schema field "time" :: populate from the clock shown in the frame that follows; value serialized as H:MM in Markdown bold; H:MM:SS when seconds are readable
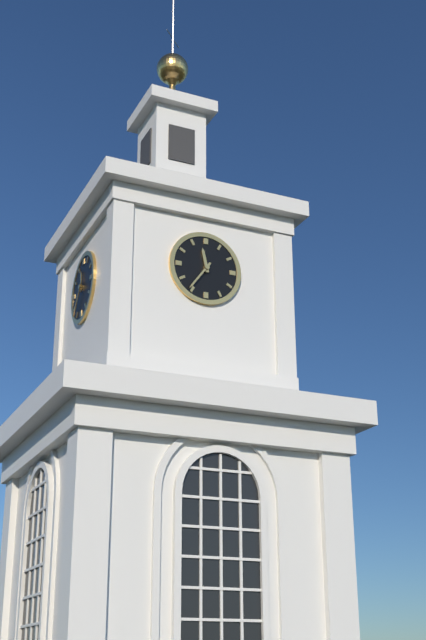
**11:36**
